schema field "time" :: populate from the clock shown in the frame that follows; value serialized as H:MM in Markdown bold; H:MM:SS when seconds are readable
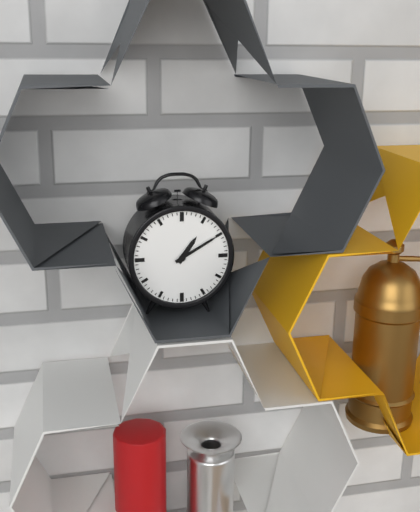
**1:10**
